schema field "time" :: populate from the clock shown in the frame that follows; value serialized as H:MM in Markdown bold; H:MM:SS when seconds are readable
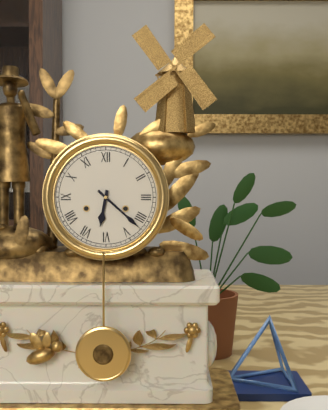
**6:22**
